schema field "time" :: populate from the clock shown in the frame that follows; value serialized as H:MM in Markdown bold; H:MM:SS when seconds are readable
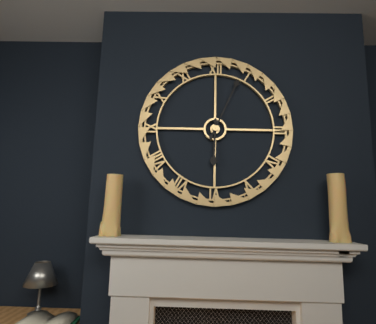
**6:04**
